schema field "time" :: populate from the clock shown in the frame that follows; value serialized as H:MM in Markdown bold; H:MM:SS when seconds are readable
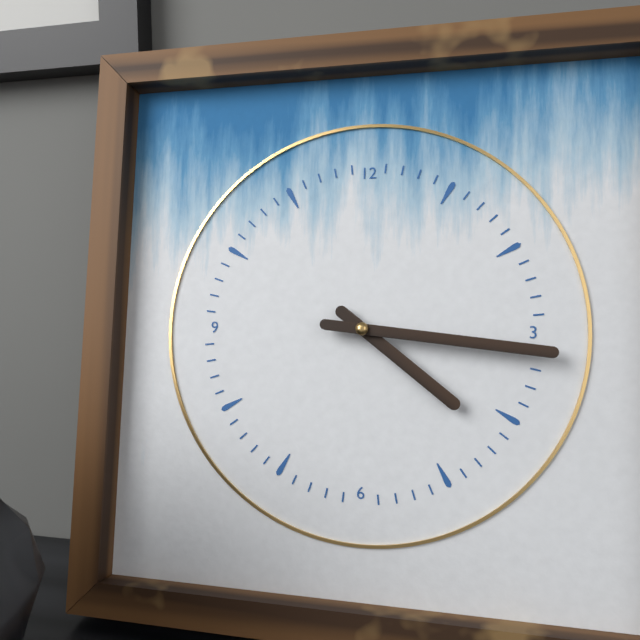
**4:16**
